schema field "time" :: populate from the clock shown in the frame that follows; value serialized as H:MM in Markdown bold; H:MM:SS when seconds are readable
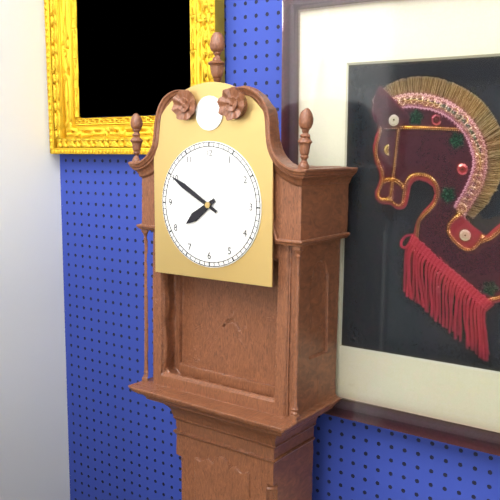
**7:50**
